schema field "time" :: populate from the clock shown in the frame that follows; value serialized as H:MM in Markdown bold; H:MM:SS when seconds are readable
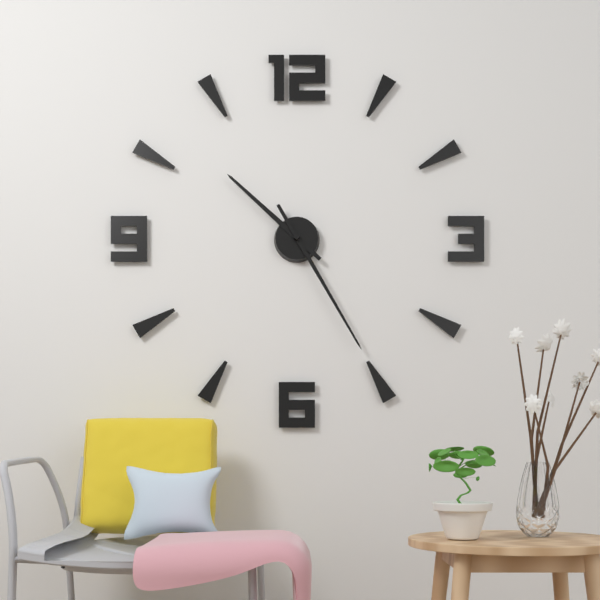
**10:25**
